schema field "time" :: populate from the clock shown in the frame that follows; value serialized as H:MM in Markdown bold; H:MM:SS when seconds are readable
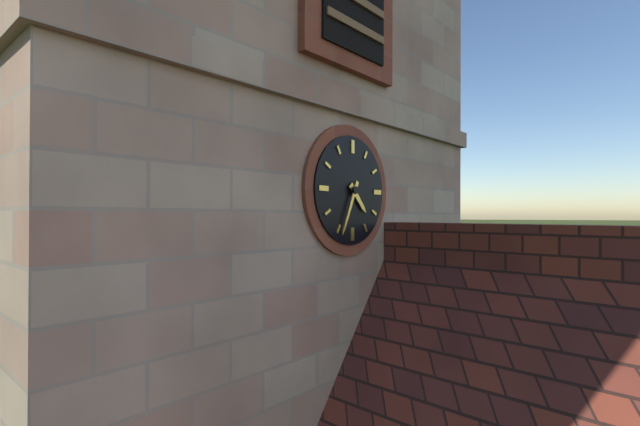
**4:34**
